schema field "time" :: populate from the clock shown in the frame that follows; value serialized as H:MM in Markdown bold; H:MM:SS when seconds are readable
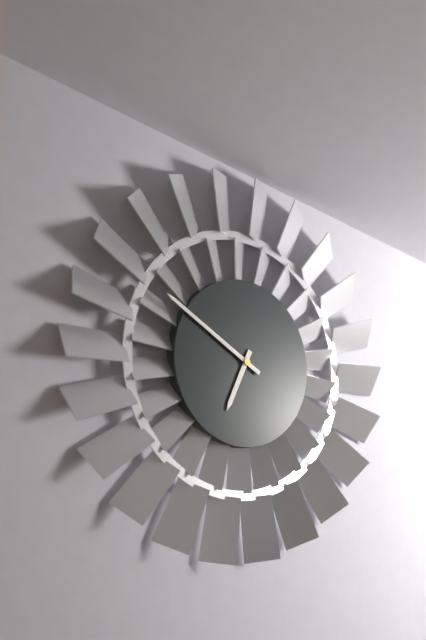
**6:50**
